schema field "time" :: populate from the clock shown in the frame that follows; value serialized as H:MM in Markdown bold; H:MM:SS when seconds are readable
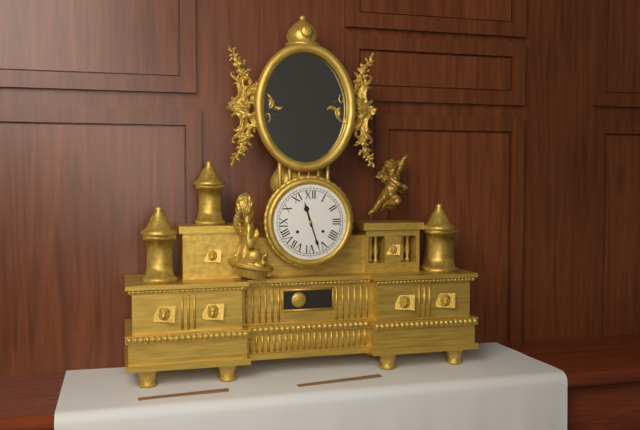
**11:27**
